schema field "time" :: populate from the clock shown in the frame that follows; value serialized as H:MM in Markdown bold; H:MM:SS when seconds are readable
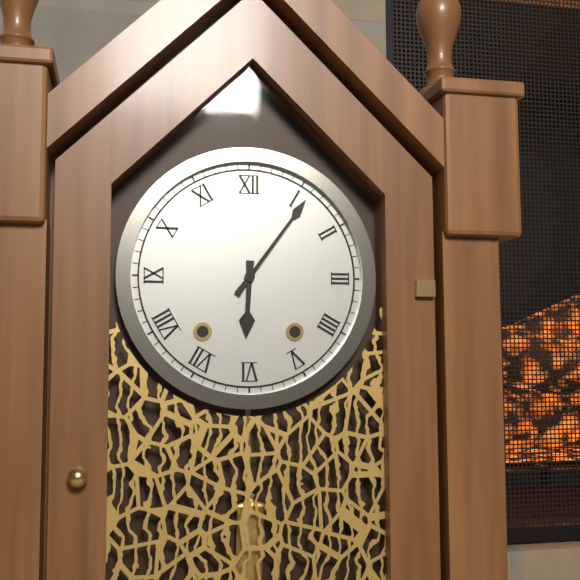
**6:06**
